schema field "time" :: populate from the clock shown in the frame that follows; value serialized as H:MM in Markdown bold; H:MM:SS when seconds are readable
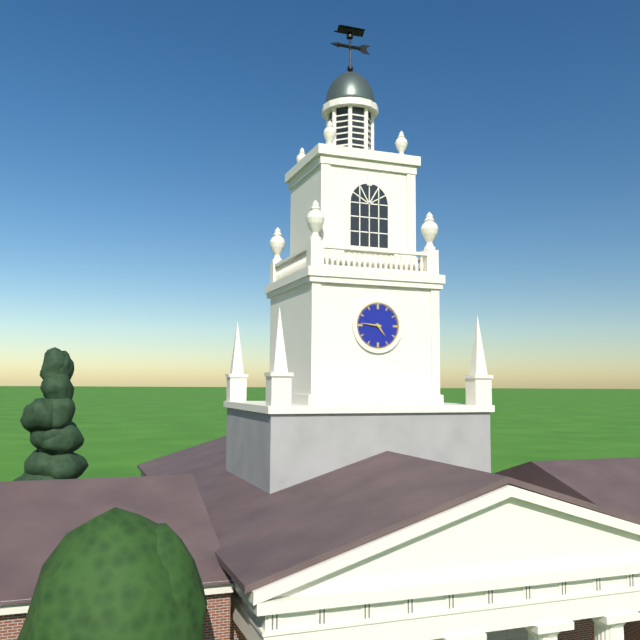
**4:46**
